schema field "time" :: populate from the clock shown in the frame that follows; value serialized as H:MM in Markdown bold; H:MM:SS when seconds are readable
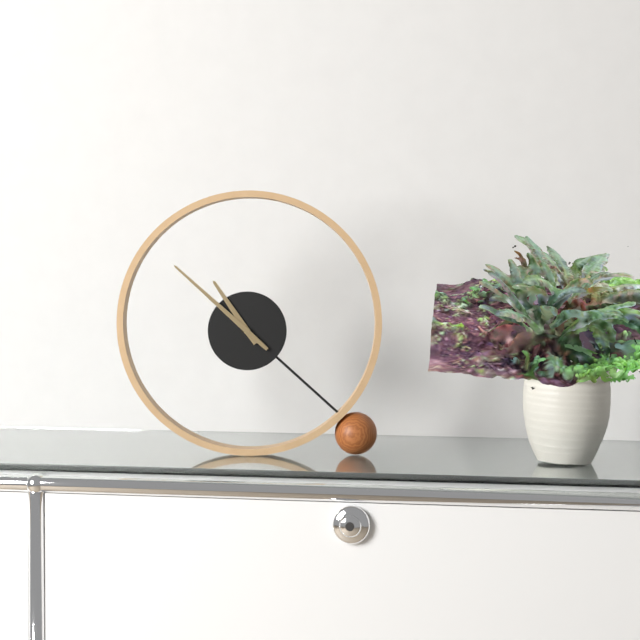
**10:52**
